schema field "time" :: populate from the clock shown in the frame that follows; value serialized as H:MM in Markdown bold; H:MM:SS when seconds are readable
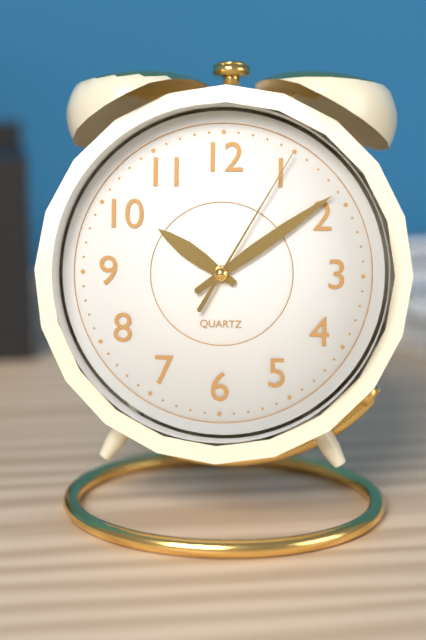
**10:09:05**
